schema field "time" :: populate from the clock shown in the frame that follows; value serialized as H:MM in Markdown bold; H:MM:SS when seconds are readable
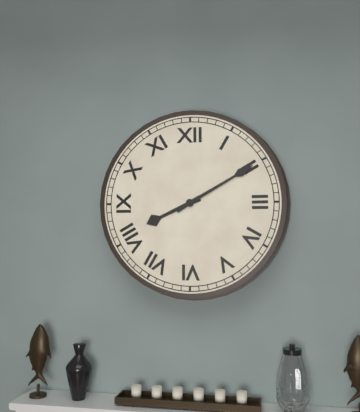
**8:10**
